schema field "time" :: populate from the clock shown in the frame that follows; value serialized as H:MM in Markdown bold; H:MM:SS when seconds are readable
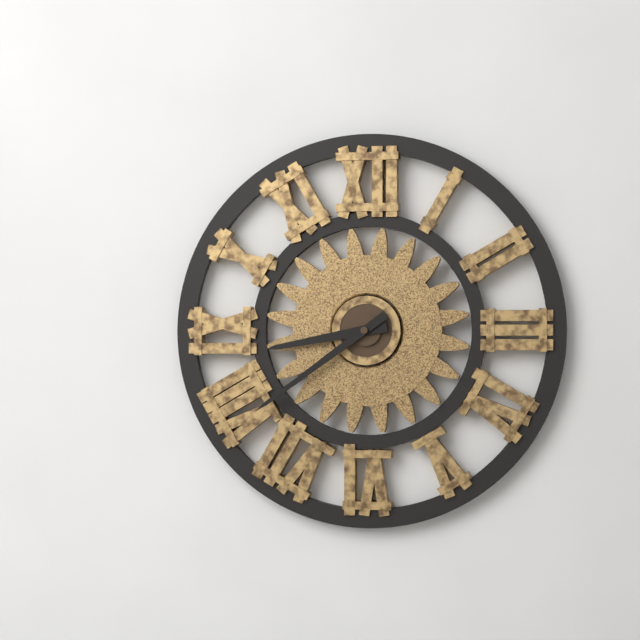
**8:39**
